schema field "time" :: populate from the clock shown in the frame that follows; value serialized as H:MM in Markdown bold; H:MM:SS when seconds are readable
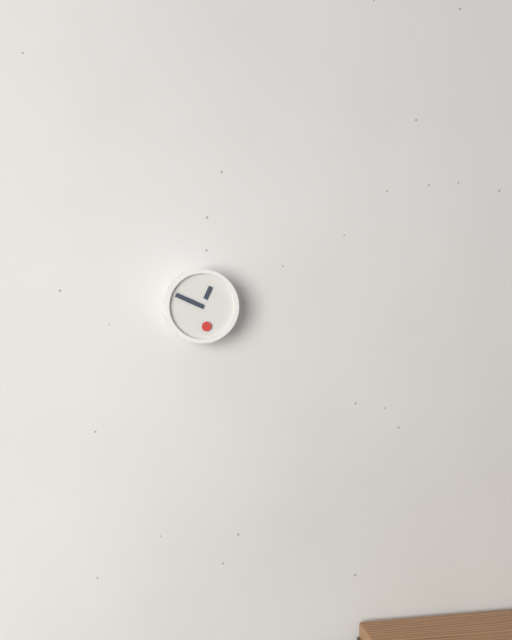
**12:49**
